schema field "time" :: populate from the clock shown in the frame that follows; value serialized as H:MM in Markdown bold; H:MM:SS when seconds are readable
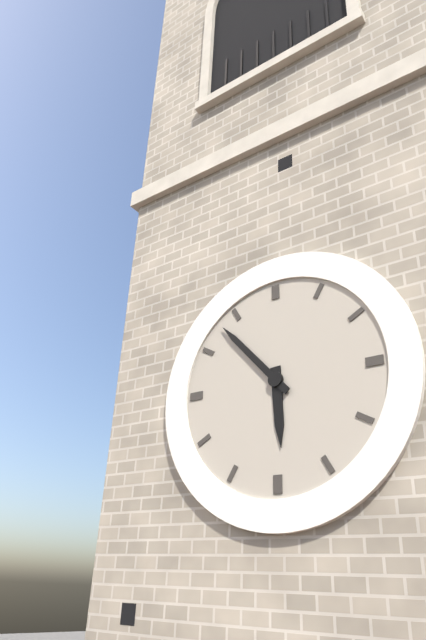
**5:53**
